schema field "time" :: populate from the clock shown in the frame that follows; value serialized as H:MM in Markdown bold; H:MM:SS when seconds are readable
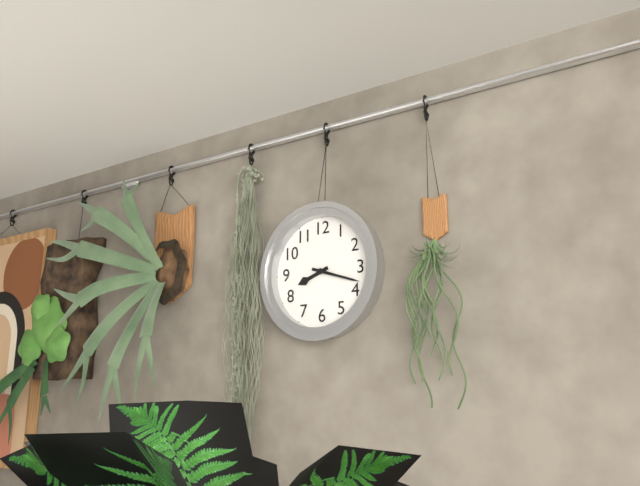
**8:18**
